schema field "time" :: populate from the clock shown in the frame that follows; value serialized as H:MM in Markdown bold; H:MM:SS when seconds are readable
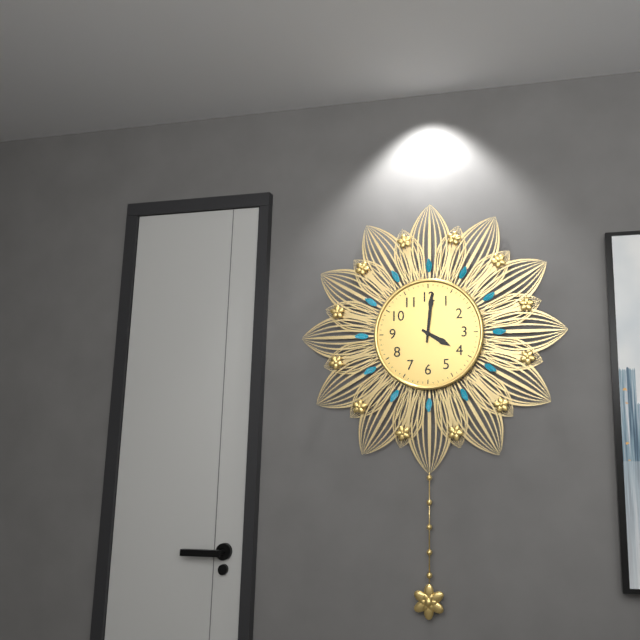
**4:01**
